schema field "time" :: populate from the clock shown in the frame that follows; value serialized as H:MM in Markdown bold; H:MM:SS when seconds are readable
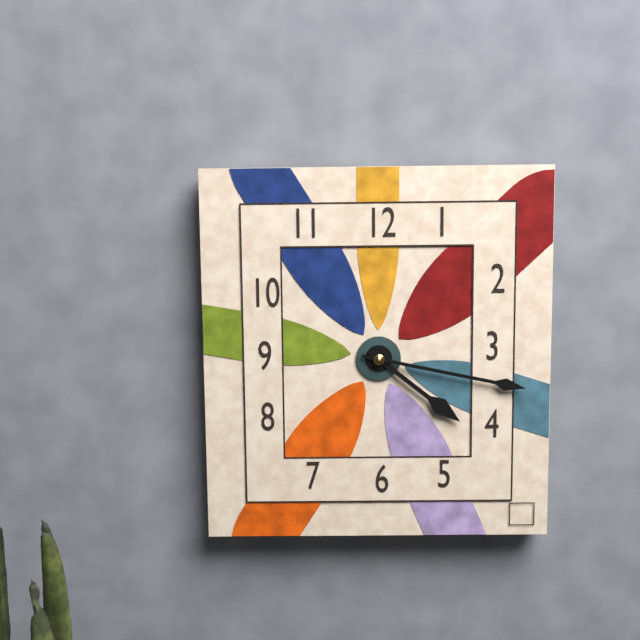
**4:17**
